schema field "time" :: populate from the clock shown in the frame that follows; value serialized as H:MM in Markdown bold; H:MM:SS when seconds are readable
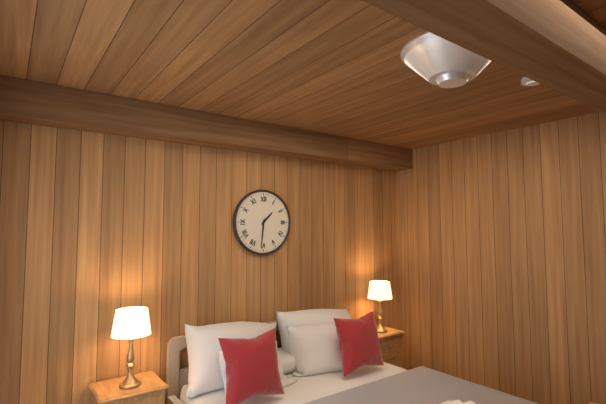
**1:31**
